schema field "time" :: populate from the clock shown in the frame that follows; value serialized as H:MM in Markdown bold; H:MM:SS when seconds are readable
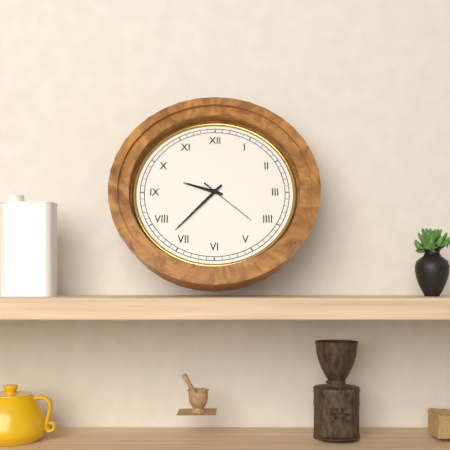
**9:37:22**
